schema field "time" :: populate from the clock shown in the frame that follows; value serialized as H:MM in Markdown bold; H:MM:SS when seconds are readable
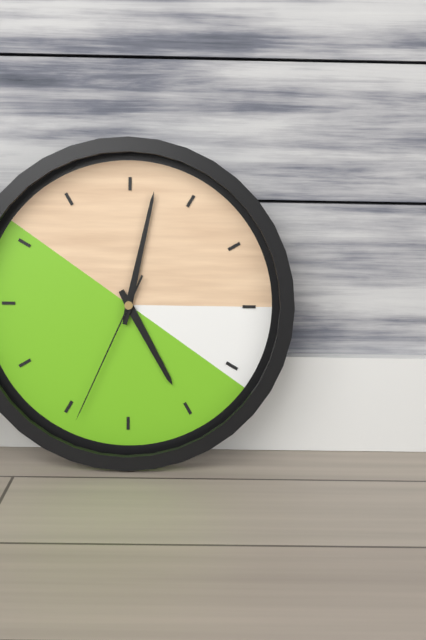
**5:02:34**
